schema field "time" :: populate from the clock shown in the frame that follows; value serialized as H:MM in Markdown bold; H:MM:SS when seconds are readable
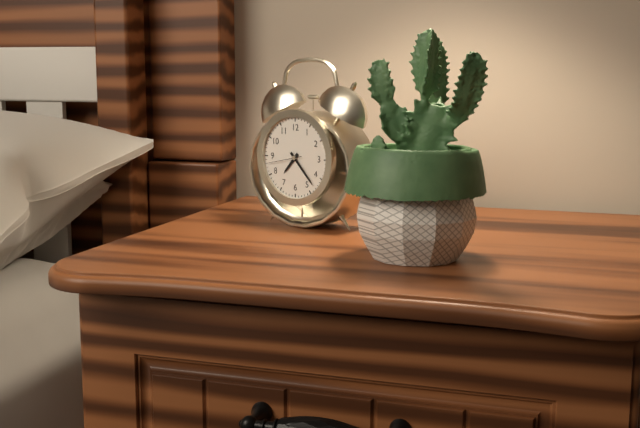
**7:23**
